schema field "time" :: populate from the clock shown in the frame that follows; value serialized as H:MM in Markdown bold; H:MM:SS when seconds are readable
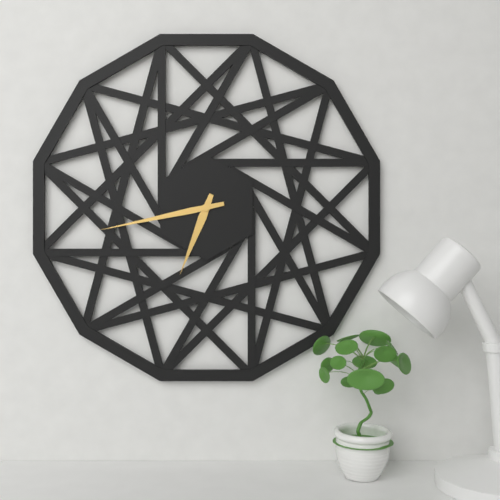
**6:43**
